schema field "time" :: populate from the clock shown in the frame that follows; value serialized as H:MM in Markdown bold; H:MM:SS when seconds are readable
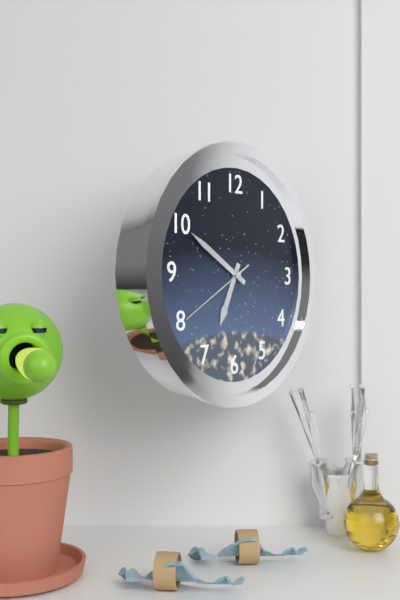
**6:50:40**
